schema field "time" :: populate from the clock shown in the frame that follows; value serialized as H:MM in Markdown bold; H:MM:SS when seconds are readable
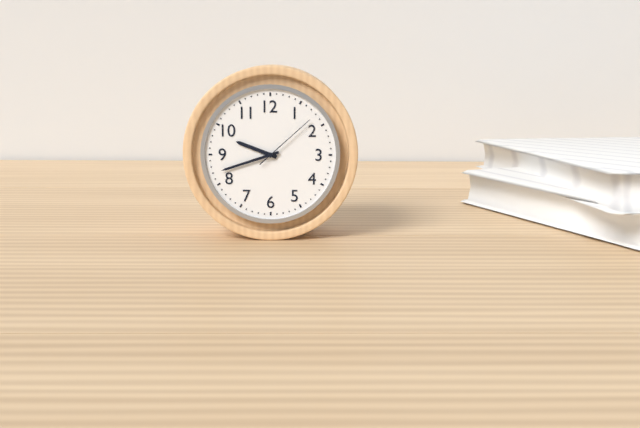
**9:42:08**
